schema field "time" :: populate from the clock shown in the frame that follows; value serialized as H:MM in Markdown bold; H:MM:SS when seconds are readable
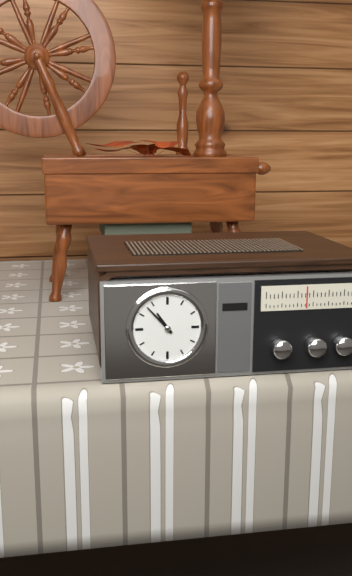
**10:53**
